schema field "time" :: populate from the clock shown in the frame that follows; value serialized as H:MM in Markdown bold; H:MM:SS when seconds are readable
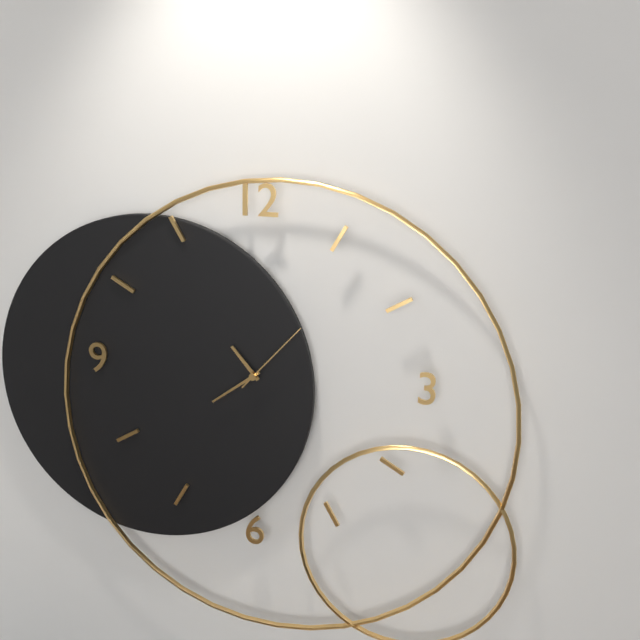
**10:39:07**
